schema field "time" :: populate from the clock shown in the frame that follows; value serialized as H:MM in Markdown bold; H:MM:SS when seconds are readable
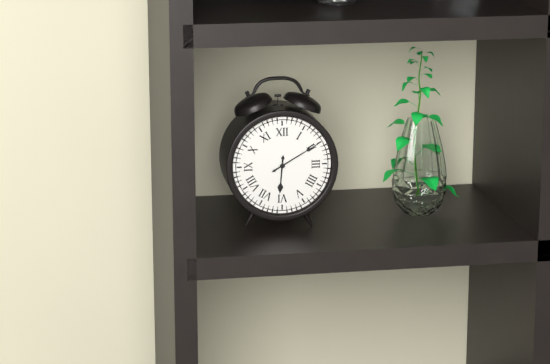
**6:10**
